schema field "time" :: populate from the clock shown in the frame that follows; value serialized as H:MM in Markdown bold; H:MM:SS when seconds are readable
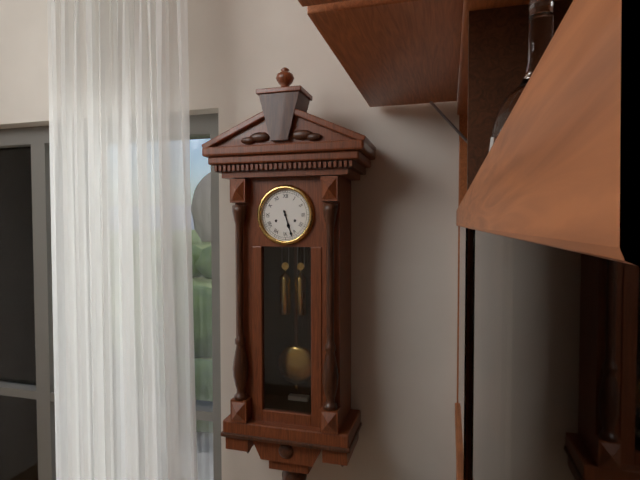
**5:27**
